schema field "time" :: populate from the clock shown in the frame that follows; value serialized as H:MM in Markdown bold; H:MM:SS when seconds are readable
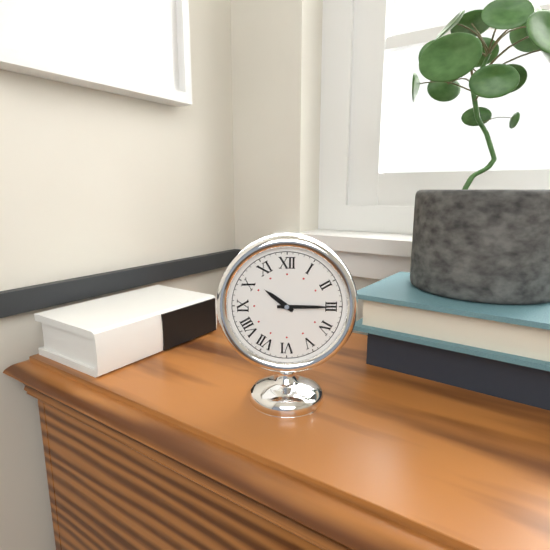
**10:15**
